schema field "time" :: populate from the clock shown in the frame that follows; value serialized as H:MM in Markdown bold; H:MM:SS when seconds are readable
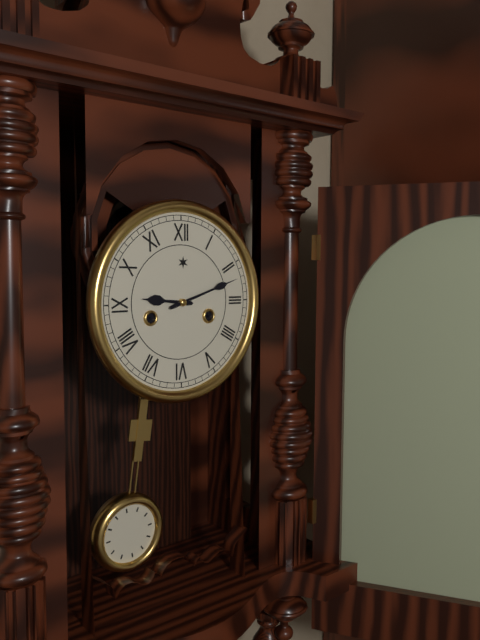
**9:12**
